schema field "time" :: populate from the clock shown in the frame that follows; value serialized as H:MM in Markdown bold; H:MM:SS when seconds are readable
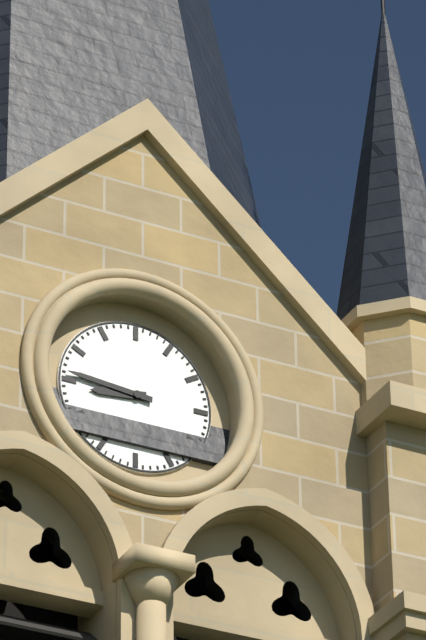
**8:46**
